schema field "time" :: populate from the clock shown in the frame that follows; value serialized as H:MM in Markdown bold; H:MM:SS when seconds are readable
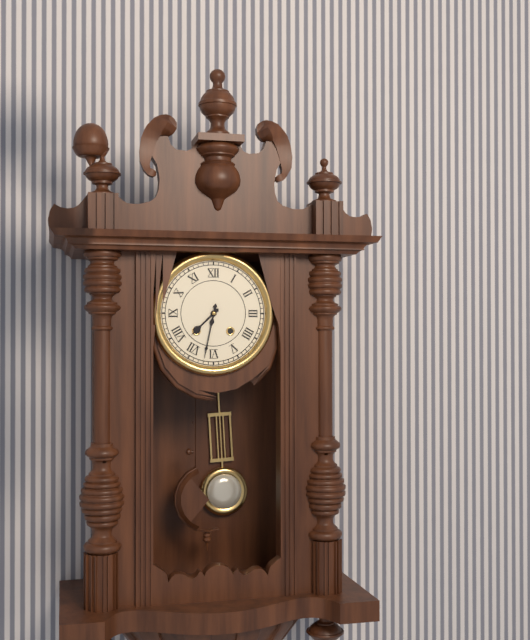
**7:32**
